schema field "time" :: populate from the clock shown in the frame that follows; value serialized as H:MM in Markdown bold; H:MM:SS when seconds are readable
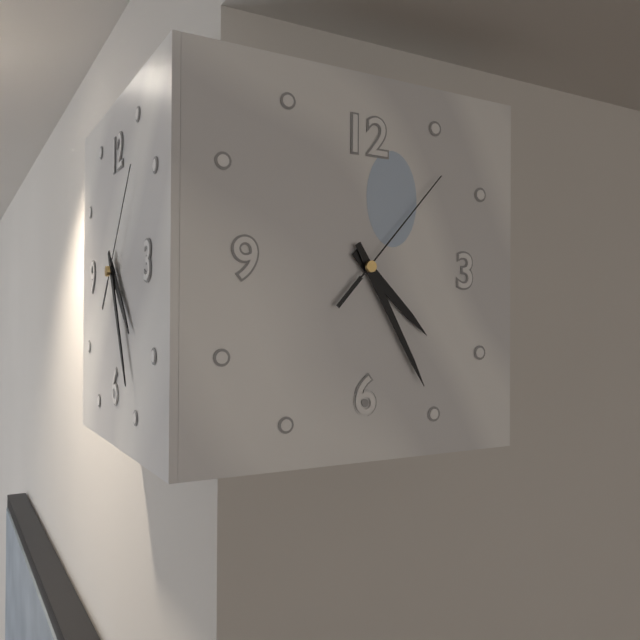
**4:25:07**
